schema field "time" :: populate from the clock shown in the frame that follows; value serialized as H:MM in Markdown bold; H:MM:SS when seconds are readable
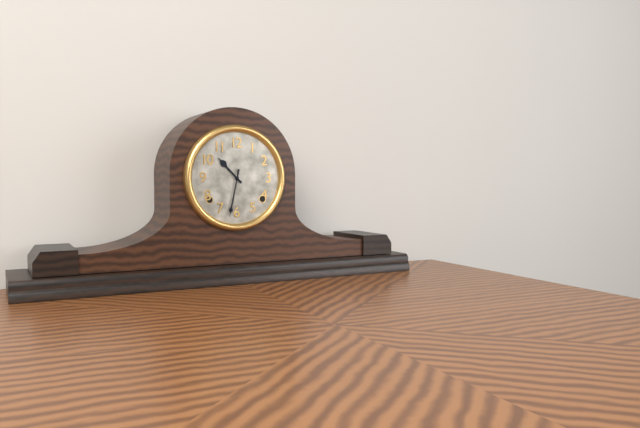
**10:32**
